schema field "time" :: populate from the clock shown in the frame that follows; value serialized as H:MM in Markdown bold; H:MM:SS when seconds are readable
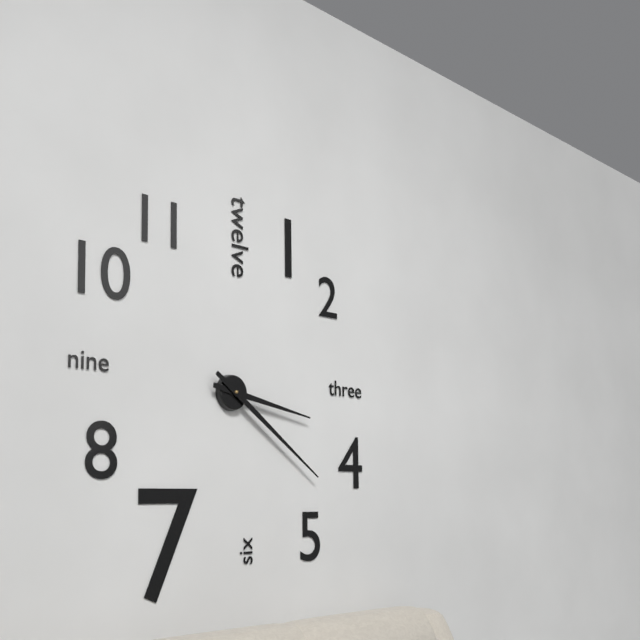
**3:21**
